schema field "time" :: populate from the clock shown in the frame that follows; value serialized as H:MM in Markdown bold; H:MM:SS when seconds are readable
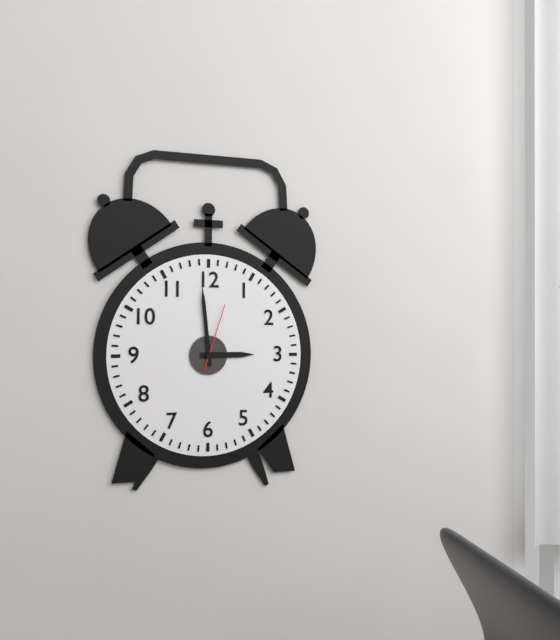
**2:59:03**
